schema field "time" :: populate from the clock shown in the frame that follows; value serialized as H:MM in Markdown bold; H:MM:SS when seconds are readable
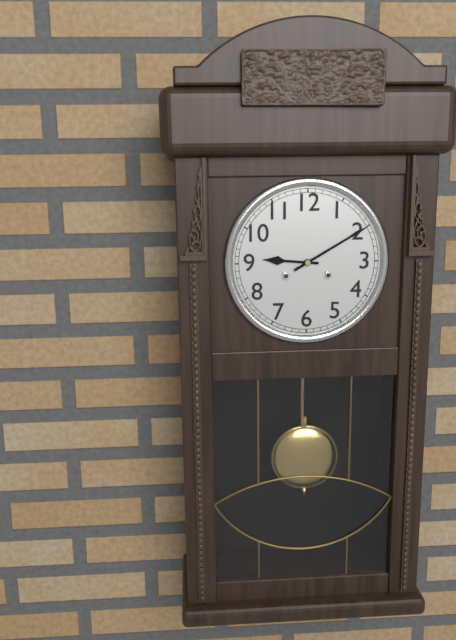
**9:10**
